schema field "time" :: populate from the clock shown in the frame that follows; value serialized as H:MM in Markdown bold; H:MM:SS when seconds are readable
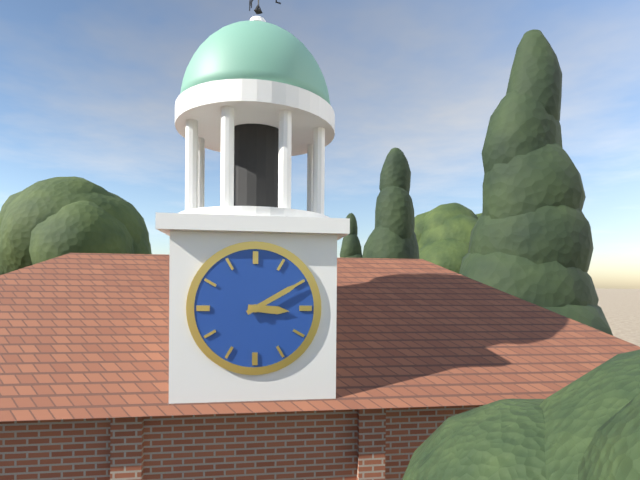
**3:10**
